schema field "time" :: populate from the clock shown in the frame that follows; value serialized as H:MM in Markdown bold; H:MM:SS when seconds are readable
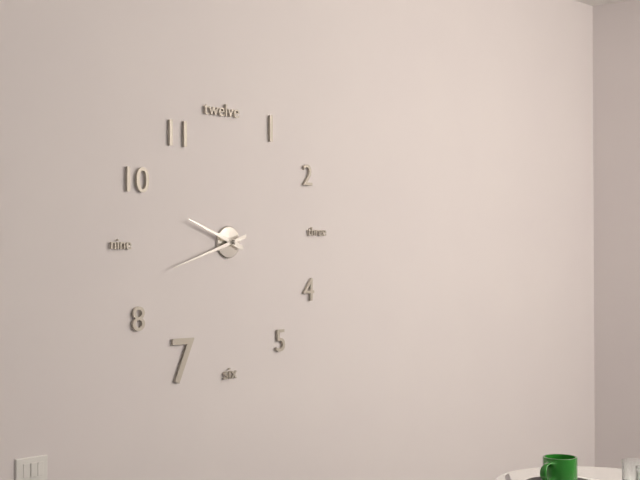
**9:42**
